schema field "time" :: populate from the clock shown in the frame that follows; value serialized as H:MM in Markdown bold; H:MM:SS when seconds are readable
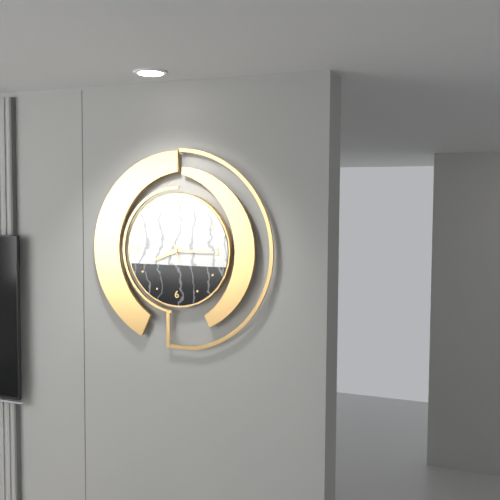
**8:15:57**
